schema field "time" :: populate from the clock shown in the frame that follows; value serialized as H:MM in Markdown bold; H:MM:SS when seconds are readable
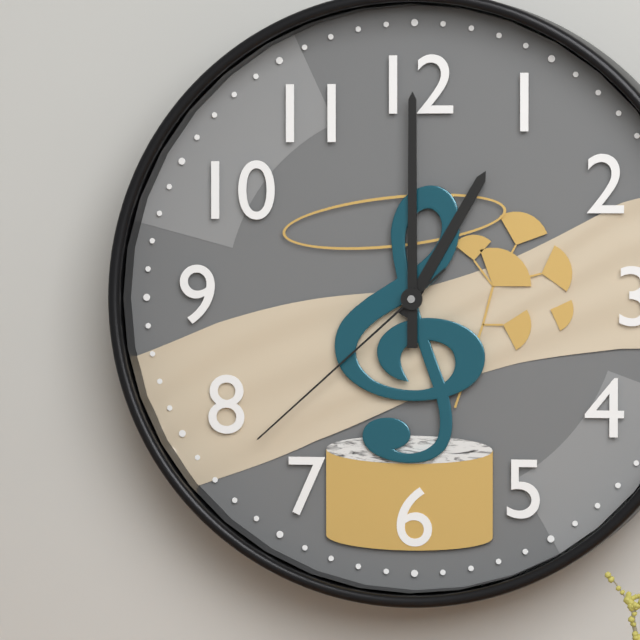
**1:00:38**
